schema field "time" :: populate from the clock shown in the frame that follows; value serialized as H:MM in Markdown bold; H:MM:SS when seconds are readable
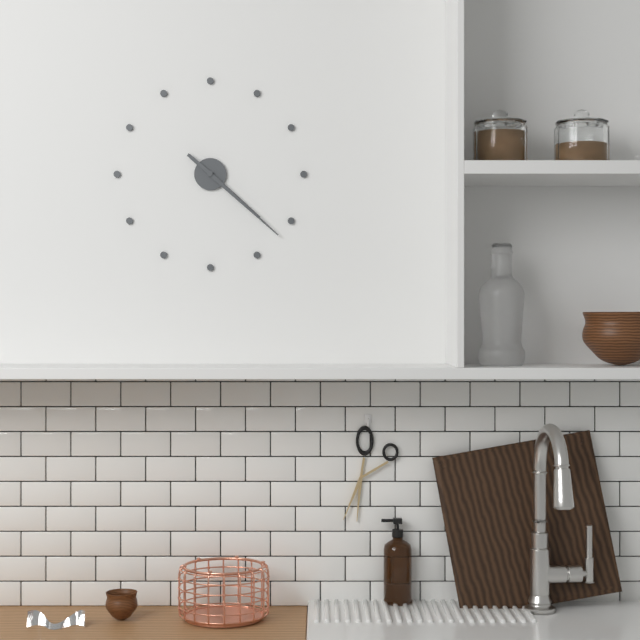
**4:22**
